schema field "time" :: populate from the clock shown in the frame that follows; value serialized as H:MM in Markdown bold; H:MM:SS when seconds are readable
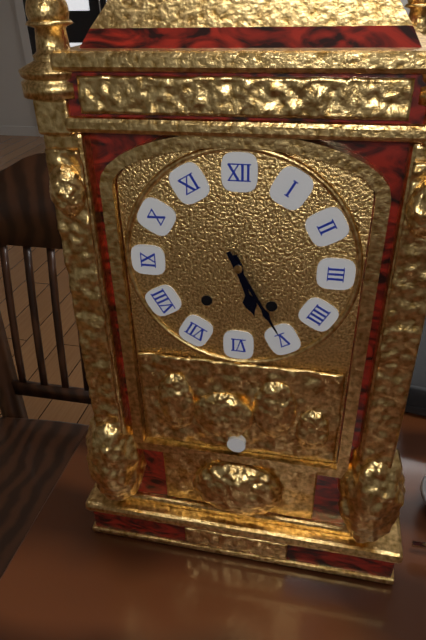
**5:25**
